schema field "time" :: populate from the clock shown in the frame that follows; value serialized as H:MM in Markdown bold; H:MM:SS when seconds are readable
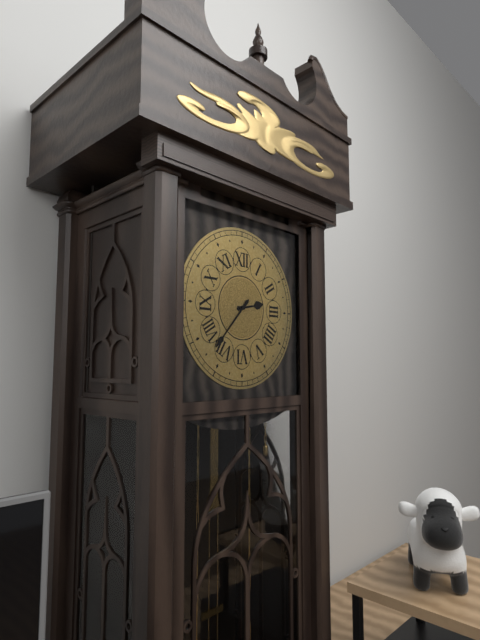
**2:37**
